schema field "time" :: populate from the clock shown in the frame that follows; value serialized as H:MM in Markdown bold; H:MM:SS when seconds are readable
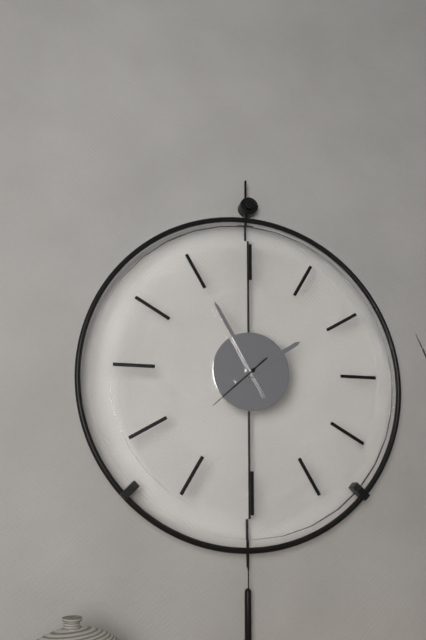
**1:55:38**
